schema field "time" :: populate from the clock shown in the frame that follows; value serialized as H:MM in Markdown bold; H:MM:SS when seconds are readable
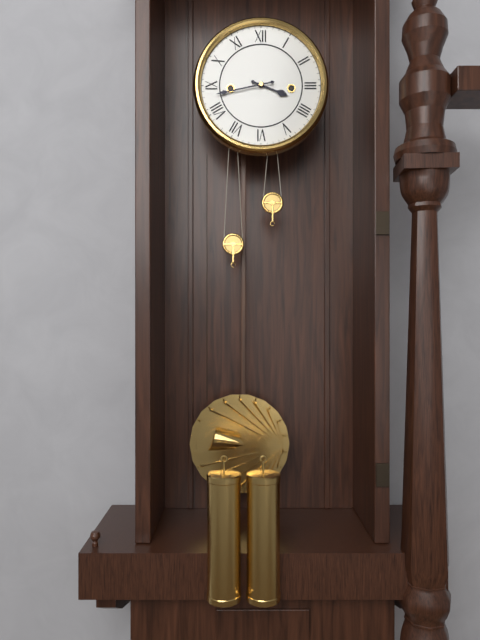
**3:43**
